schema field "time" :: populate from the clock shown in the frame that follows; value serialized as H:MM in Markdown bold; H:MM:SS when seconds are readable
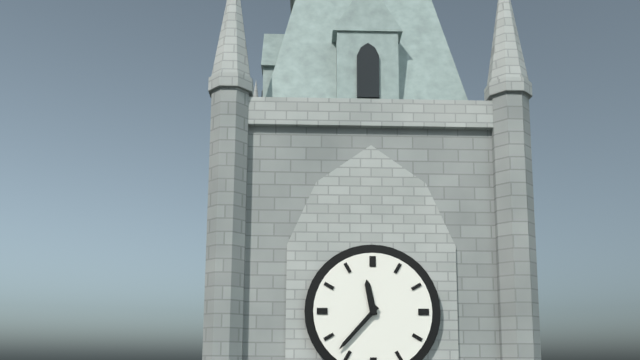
**11:37**
